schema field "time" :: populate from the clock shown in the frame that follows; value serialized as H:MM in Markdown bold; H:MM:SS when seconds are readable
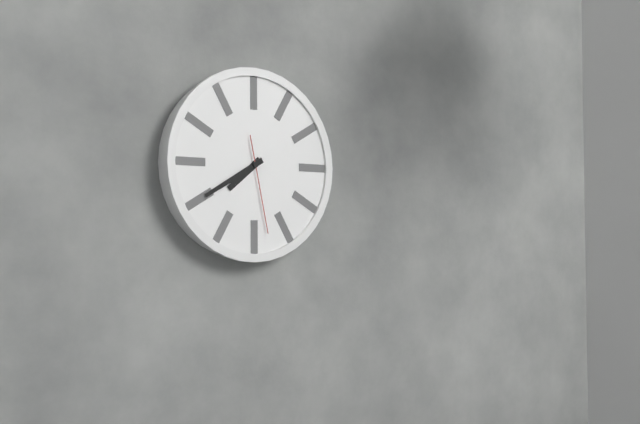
**7:40:28**
